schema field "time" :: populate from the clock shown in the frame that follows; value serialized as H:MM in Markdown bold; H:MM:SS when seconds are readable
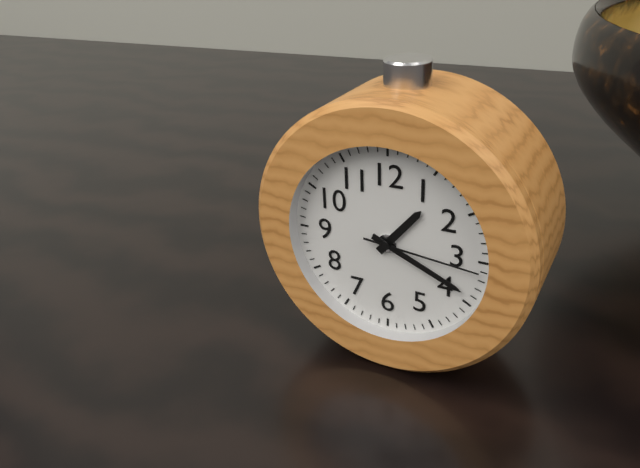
**1:19:16**
